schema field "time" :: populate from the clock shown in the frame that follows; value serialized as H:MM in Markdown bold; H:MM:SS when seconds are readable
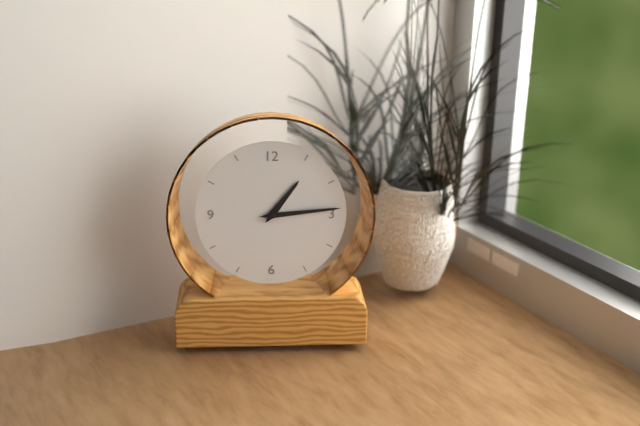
**1:14**
